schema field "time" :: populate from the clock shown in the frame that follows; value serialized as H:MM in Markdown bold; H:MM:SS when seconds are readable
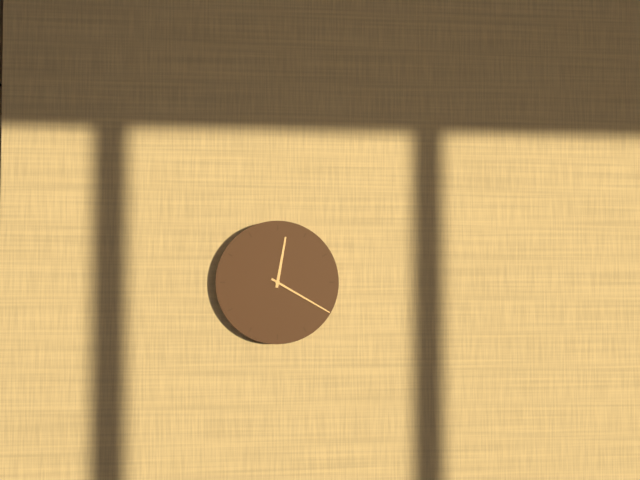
**12:20**
